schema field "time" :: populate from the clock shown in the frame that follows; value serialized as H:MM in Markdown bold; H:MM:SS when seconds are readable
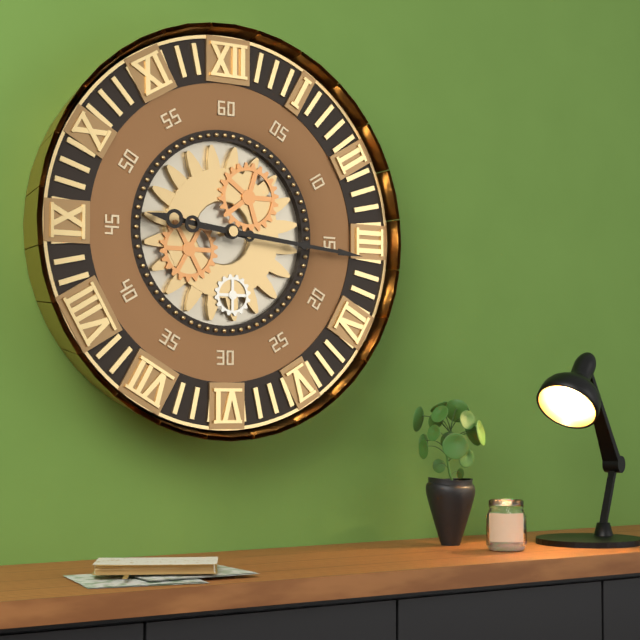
**9:16**
